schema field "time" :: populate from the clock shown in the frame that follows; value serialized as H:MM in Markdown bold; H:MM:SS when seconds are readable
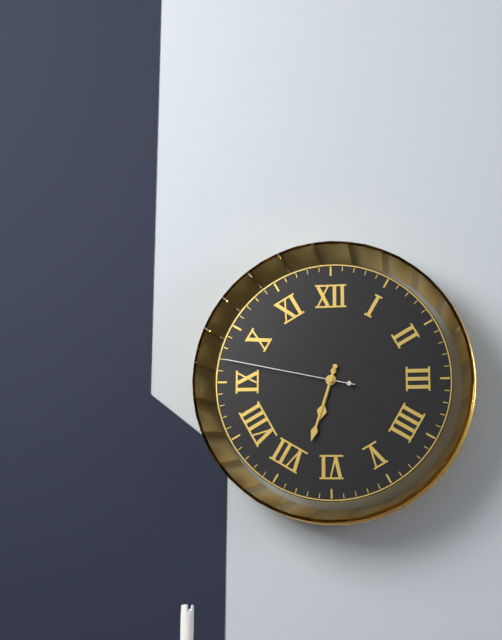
**6:33:47**
